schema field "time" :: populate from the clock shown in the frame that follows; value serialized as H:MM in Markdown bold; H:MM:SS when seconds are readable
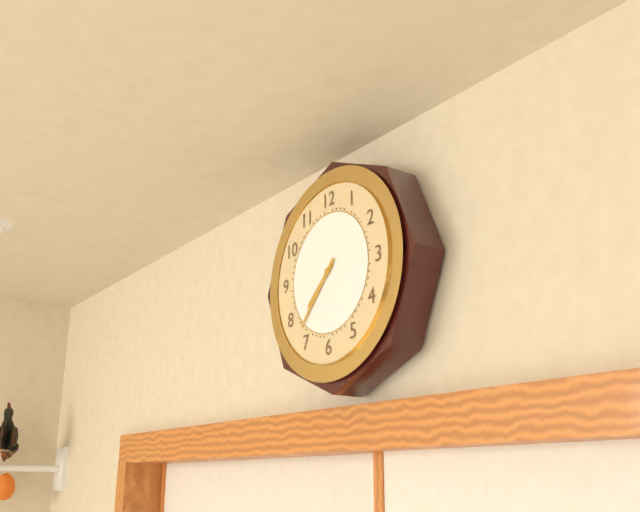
**7:37**
